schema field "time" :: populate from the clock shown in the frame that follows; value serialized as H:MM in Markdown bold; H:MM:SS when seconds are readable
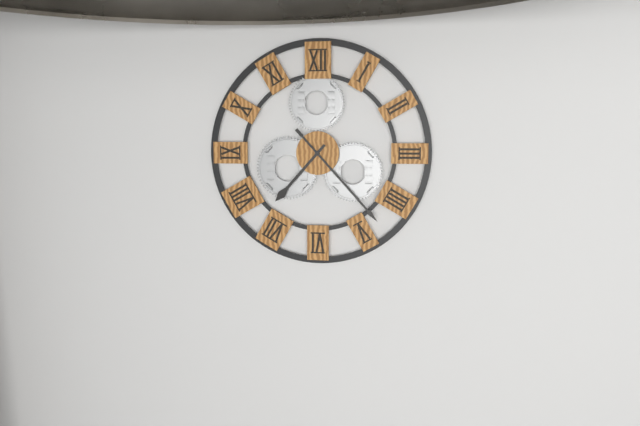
**7:23**
